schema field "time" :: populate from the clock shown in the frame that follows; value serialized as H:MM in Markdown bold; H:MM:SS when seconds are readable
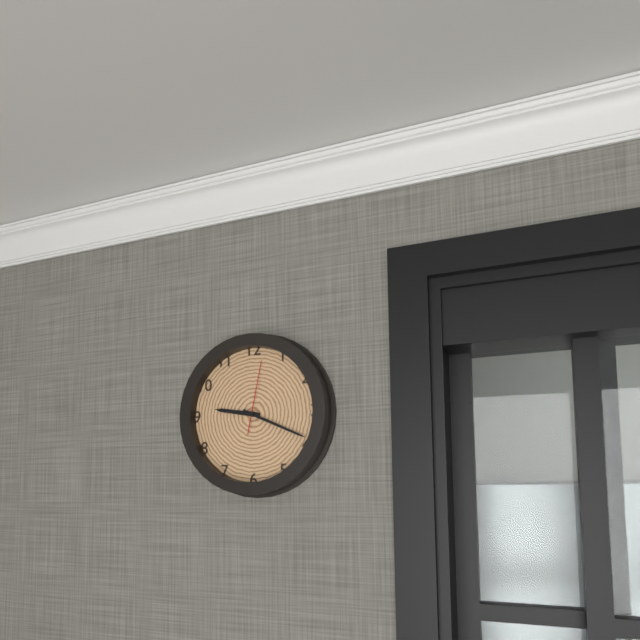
**9:19:02**
